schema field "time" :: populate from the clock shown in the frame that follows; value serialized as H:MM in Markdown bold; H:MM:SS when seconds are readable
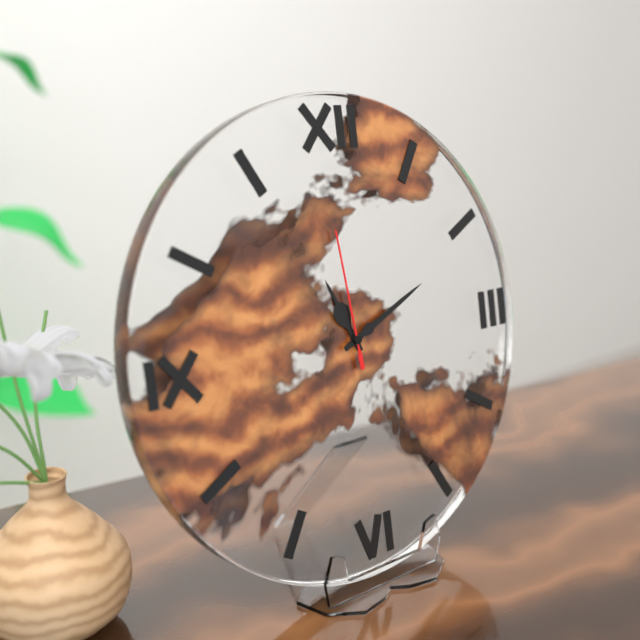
**11:11:59**
